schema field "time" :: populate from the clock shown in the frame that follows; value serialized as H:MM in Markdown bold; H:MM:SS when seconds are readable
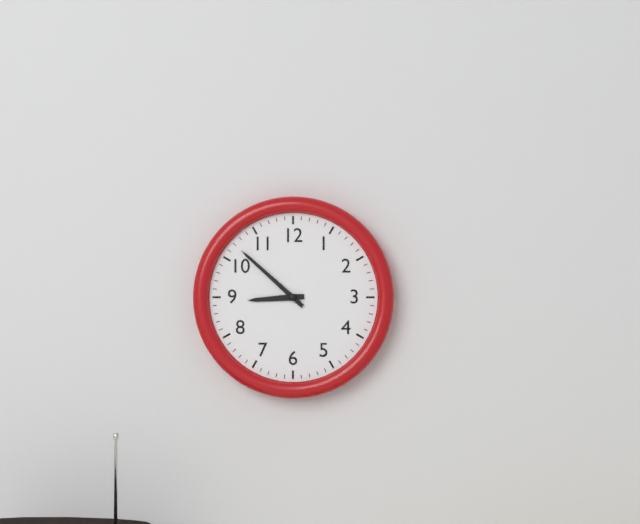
**8:52**
